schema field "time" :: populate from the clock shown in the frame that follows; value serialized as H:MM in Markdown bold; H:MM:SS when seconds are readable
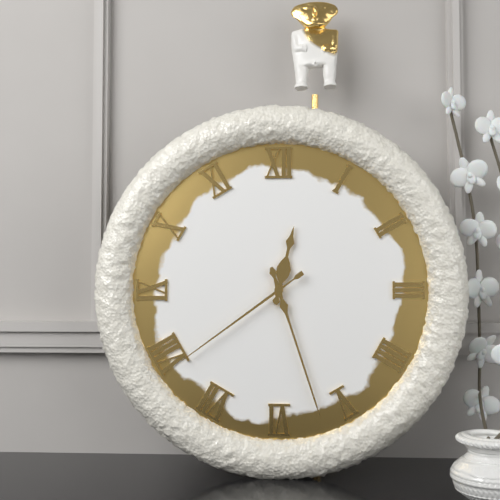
**12:27:39**
